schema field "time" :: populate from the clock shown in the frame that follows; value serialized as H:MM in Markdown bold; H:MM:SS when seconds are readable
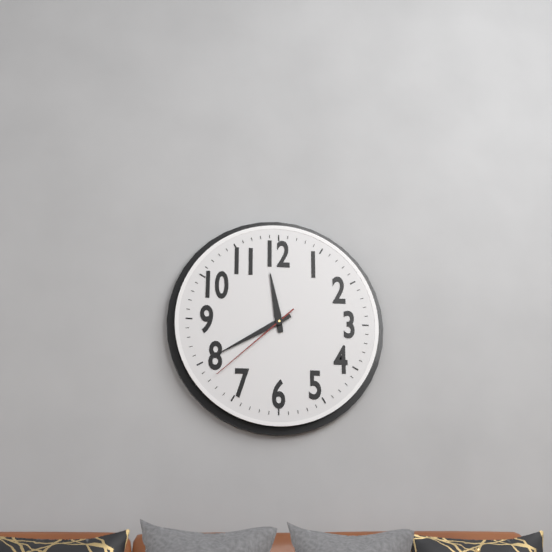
**11:40:38**
